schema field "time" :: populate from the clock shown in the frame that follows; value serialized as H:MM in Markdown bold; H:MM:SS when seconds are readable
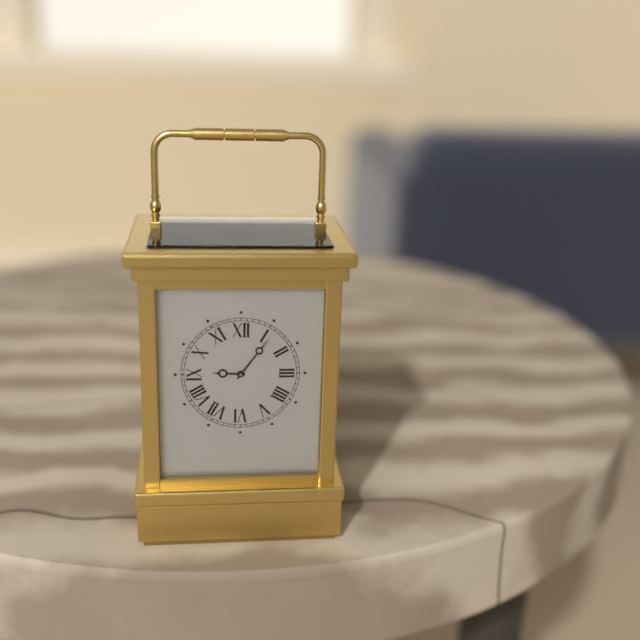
**9:06**
